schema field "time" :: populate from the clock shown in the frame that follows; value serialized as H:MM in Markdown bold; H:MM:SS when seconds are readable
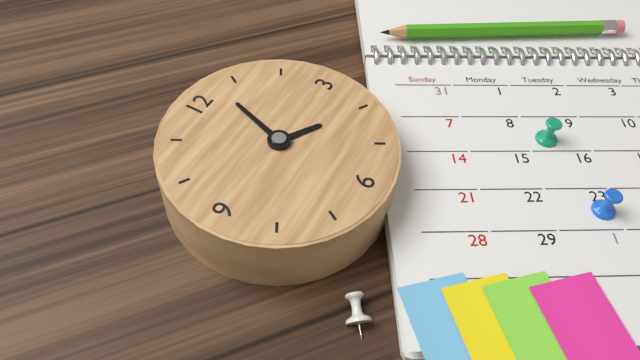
**4:03**
